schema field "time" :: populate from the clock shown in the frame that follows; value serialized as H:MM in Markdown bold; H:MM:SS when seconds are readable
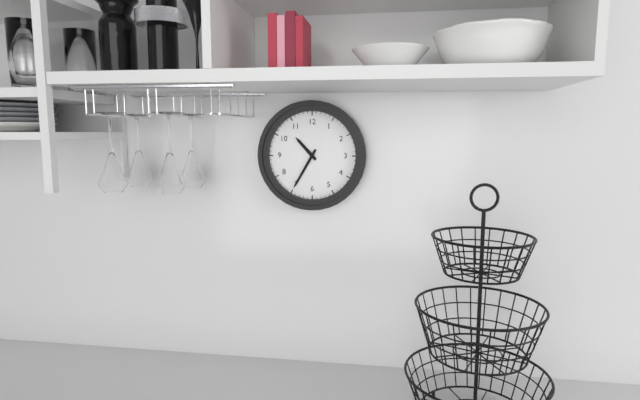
**10:35**
